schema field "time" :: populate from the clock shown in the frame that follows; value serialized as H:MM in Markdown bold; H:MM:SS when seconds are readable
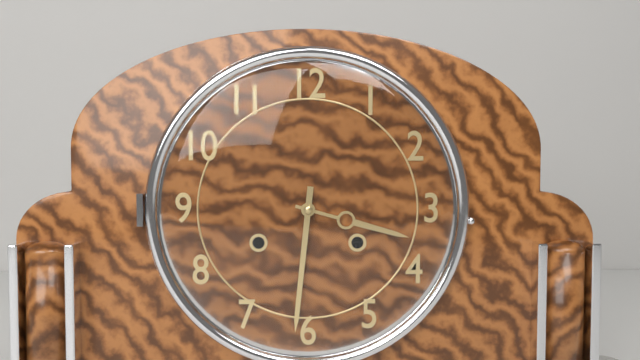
**3:31**
